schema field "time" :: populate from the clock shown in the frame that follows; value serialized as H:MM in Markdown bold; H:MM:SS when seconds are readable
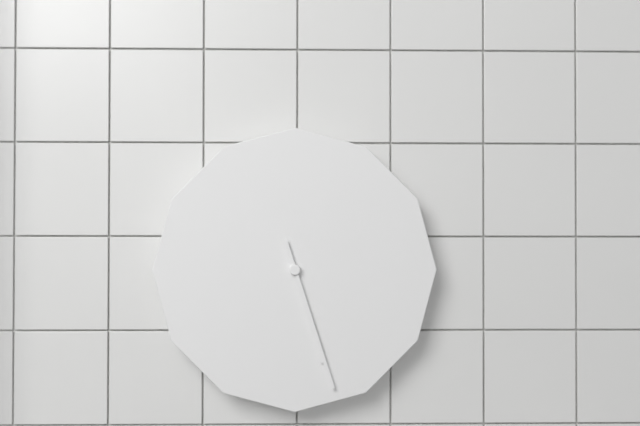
**5:27**
